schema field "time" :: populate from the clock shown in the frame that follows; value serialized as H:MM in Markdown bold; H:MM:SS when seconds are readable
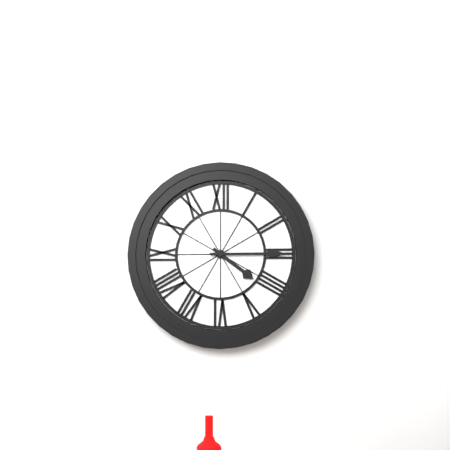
**4:15**
